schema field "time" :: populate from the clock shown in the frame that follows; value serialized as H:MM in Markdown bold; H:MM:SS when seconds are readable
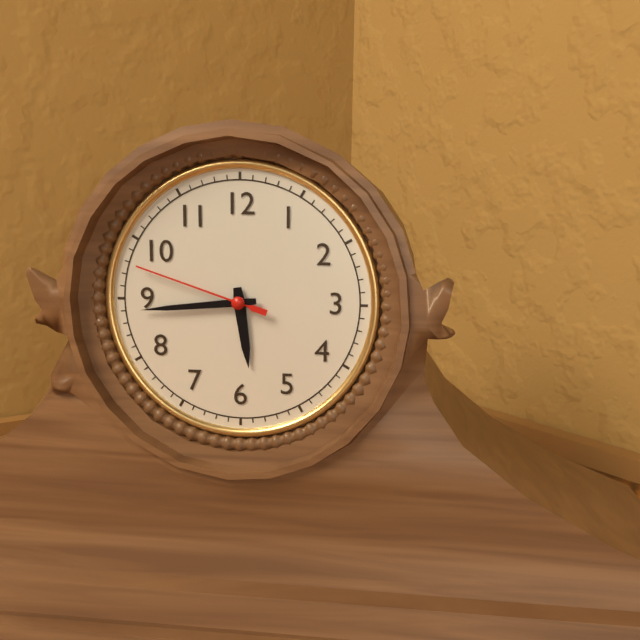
**5:44:48**
